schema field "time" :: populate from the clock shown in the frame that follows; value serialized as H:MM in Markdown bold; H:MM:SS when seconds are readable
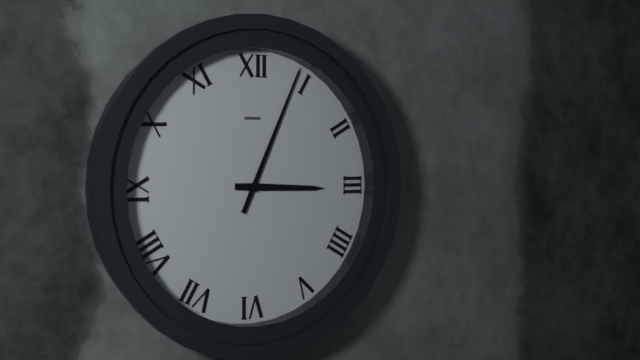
**3:04**
